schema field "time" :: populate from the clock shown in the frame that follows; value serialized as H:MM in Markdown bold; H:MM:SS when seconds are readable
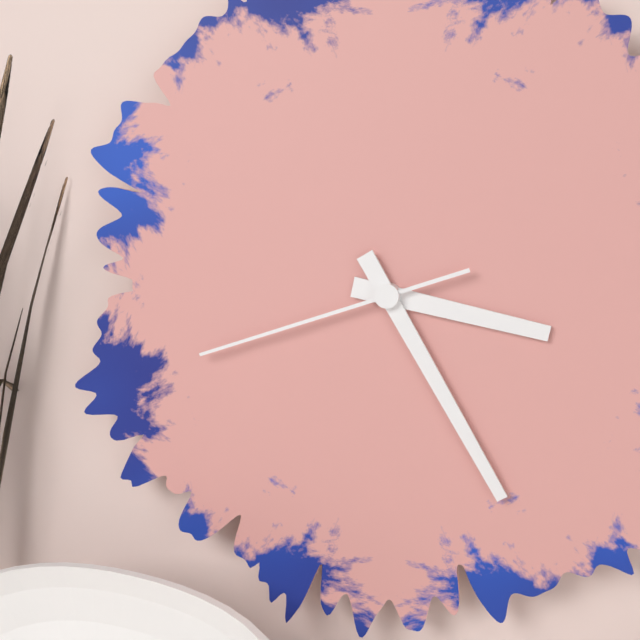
**3:25:42**
